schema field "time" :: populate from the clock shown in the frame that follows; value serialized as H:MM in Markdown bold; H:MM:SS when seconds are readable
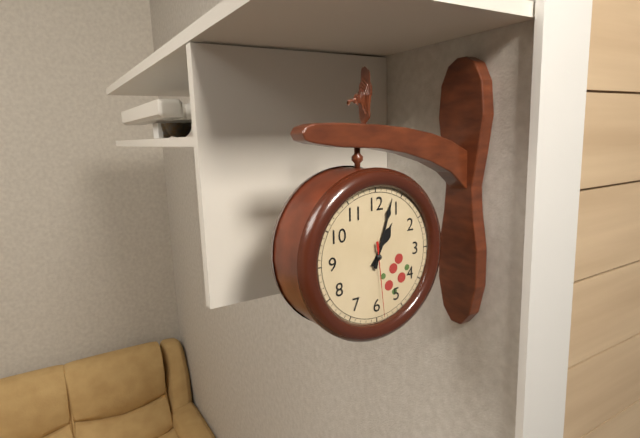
**1:03:29**
